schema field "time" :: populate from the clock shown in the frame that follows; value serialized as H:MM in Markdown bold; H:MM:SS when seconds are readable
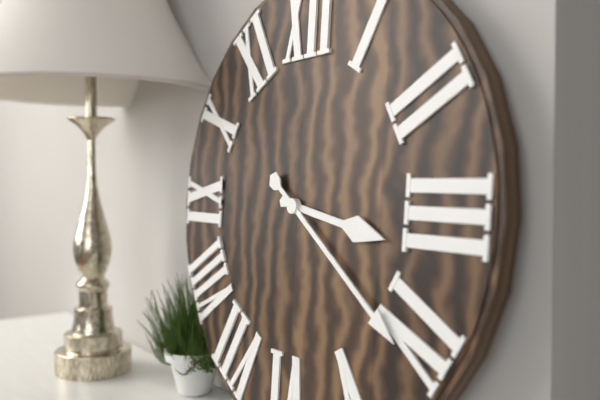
**3:21**
